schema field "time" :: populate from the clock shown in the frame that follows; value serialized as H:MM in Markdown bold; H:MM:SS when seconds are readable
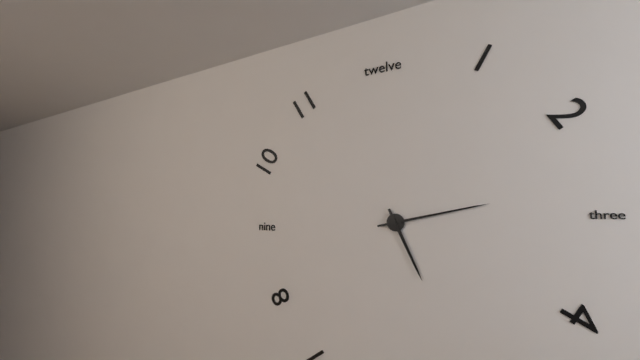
**5:13**
